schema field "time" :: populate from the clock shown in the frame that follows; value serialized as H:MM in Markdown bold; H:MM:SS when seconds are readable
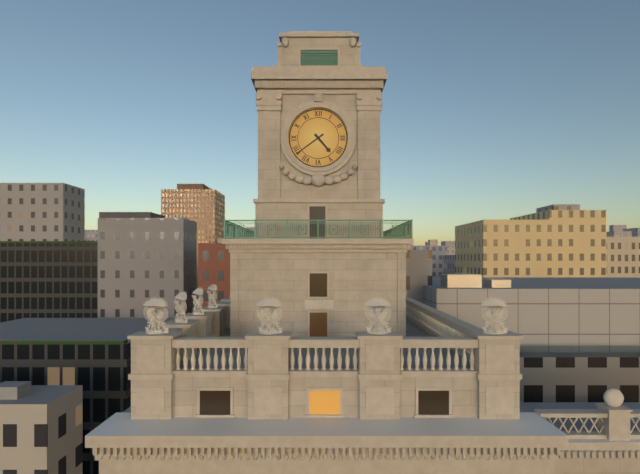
**4:39**
